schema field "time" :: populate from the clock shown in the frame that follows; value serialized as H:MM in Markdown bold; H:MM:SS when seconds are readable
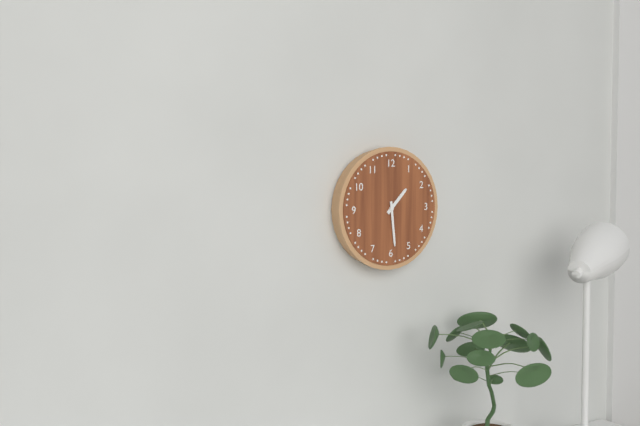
**1:29**
